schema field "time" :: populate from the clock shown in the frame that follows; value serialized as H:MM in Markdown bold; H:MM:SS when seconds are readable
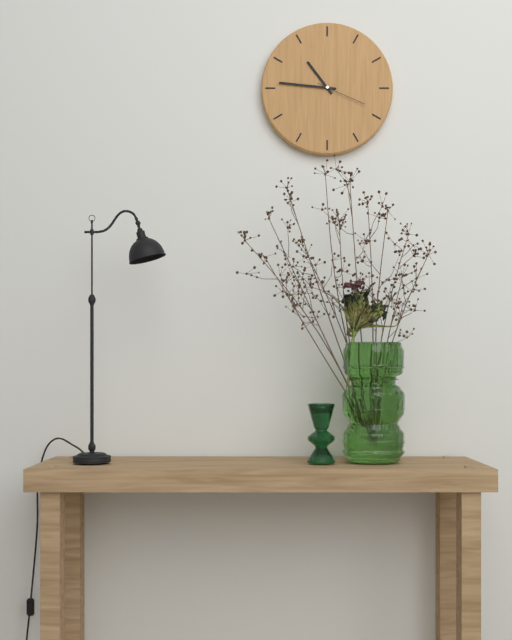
**10:46:19**
